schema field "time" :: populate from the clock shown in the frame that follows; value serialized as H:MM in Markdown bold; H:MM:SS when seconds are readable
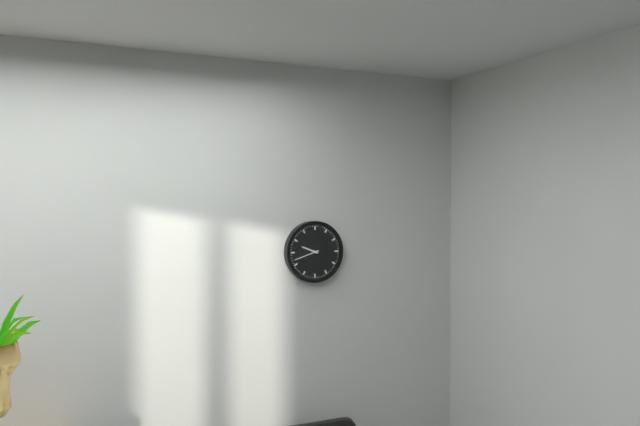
**9:42**
